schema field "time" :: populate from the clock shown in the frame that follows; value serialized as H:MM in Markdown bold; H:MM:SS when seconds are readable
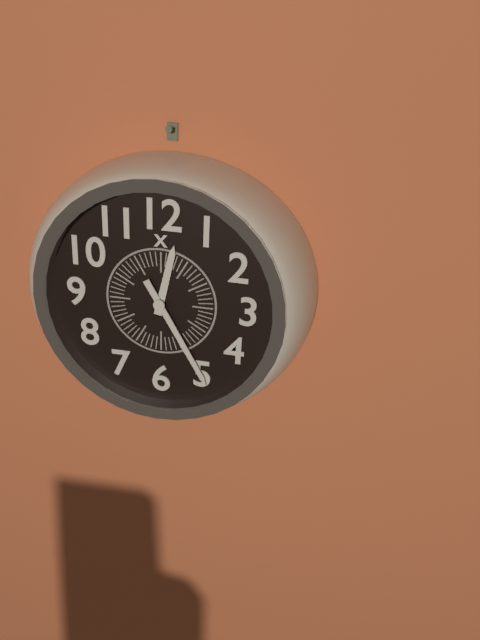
**12:25**
